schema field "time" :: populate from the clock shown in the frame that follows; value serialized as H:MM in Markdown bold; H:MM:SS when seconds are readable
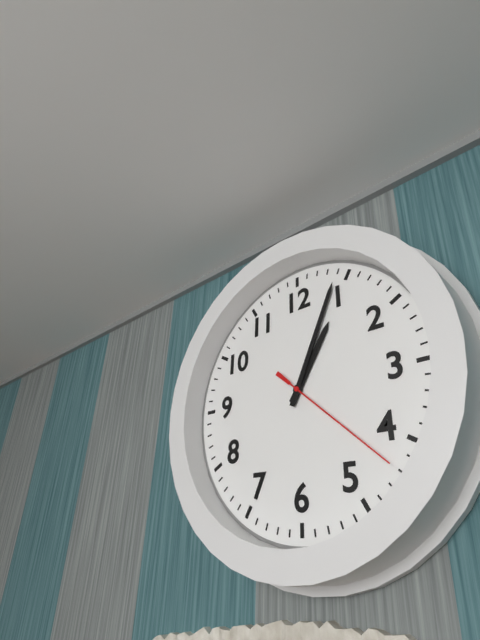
**1:04:22**
